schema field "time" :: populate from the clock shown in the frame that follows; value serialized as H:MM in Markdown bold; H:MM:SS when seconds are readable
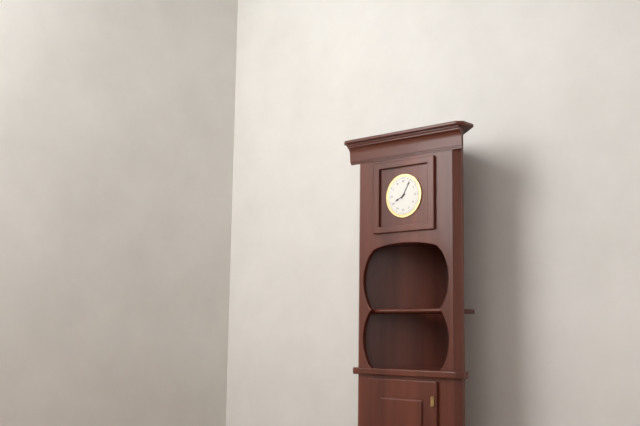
**8:05**
